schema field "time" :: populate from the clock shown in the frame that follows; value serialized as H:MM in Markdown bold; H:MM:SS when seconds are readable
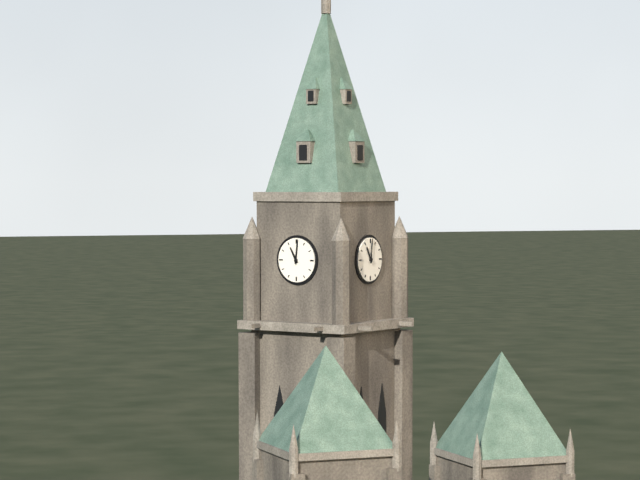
**11:01**
